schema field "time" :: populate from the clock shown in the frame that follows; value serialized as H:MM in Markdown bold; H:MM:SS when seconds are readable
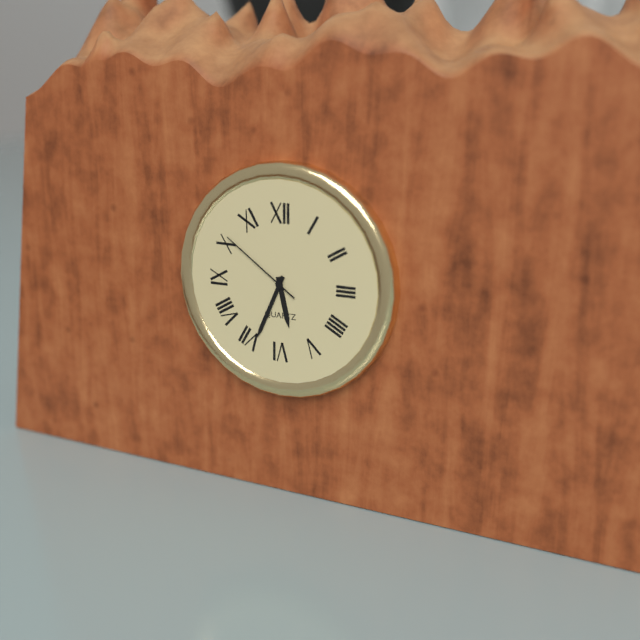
**5:34:51**
